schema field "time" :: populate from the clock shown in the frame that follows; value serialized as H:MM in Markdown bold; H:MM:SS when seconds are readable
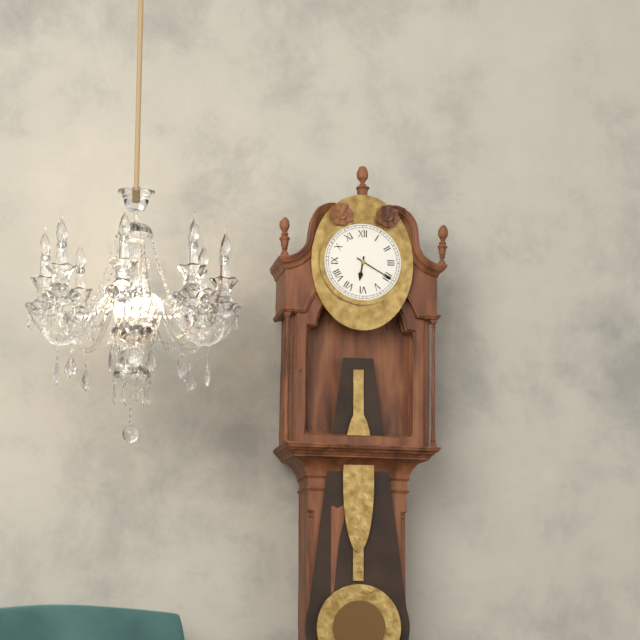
**6:20**
